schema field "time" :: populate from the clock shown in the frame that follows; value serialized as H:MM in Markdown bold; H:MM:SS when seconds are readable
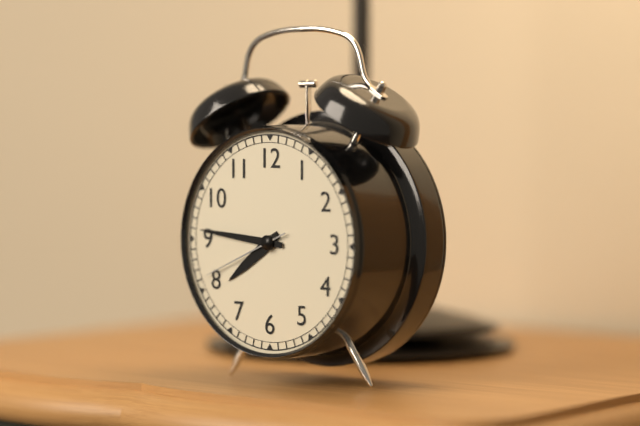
**7:46:41**
